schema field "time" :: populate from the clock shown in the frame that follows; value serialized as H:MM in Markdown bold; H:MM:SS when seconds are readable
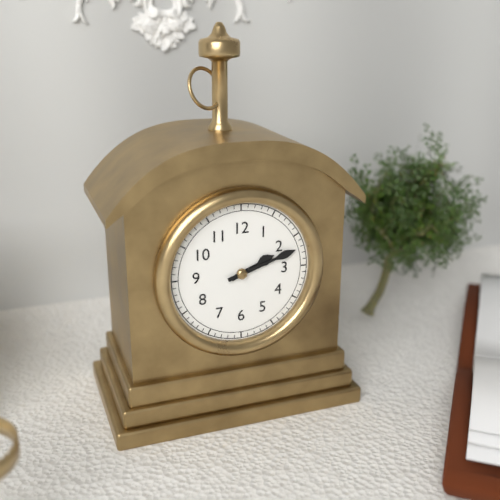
**2:12**
